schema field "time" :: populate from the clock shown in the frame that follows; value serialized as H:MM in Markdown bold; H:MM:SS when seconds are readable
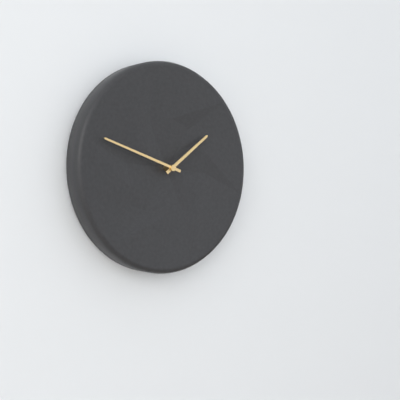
**1:48**
